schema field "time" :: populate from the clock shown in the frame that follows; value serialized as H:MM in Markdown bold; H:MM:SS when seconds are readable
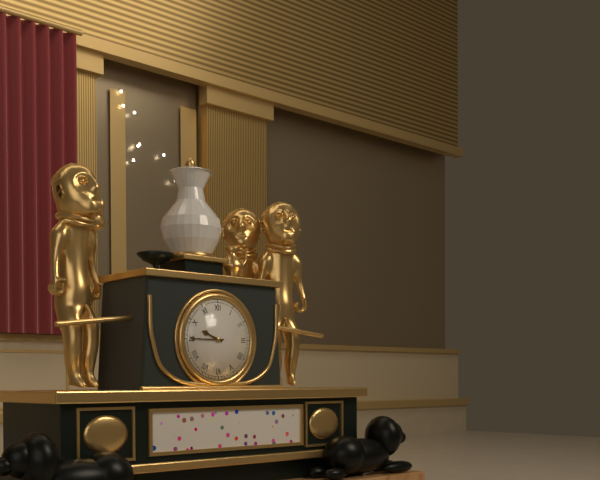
**9:45**
